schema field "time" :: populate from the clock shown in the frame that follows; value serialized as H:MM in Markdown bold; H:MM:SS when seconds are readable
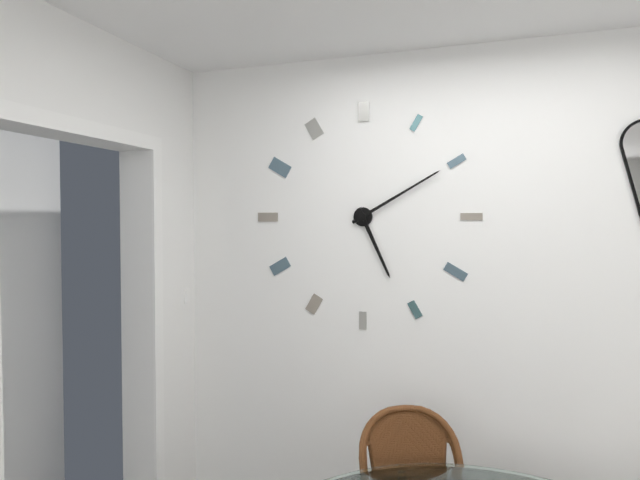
**5:10**
